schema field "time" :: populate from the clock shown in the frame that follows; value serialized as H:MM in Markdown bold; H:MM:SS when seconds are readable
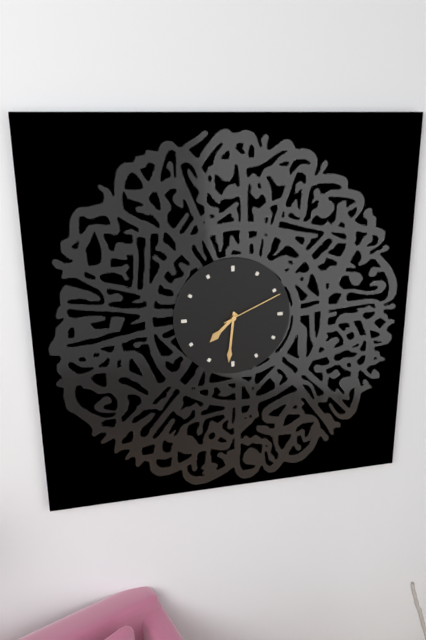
**7:31:11**
